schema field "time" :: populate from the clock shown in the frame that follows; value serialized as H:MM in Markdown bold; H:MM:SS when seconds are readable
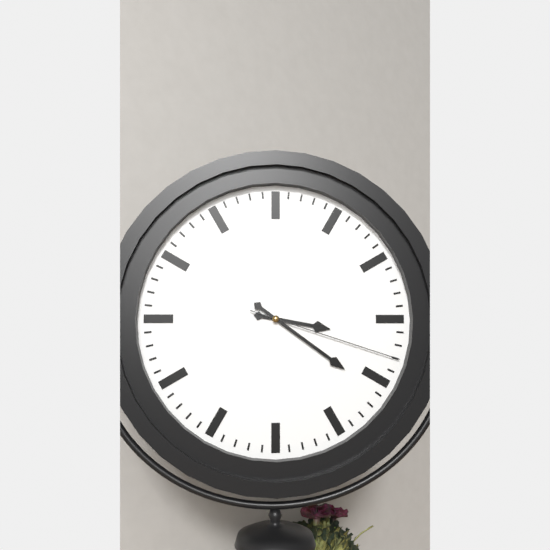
**3:21:18**
